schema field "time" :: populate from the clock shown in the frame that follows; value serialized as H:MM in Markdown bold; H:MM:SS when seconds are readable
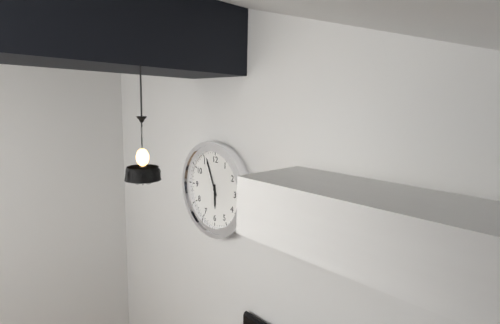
**5:56**
